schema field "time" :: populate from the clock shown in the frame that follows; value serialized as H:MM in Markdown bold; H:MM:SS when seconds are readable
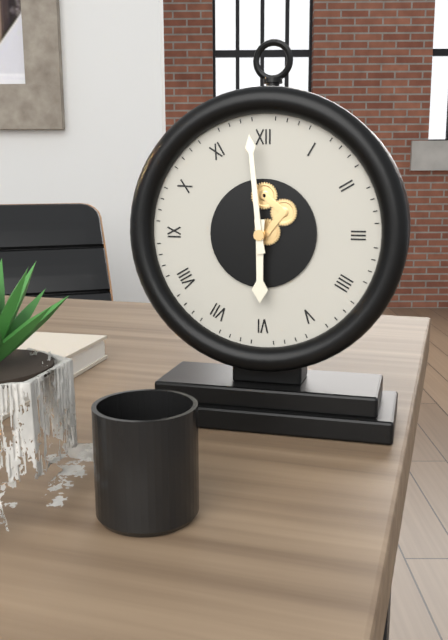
**5:59**
